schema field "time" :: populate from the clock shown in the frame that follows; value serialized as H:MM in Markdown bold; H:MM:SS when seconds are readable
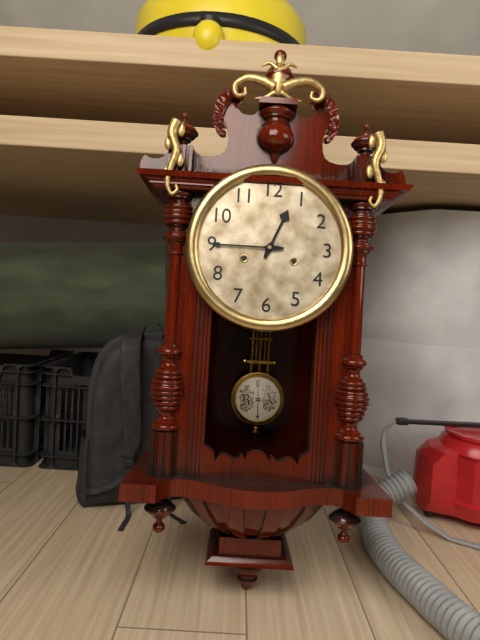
**12:45**
